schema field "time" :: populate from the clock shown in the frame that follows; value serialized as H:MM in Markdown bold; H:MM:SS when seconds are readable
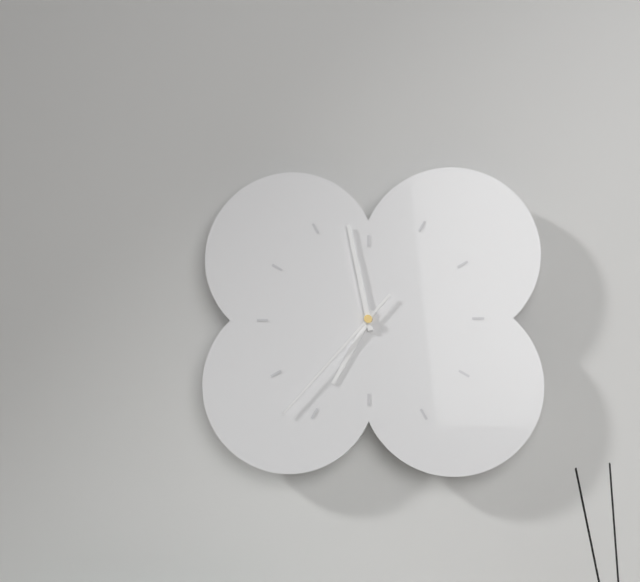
**6:58:37**
